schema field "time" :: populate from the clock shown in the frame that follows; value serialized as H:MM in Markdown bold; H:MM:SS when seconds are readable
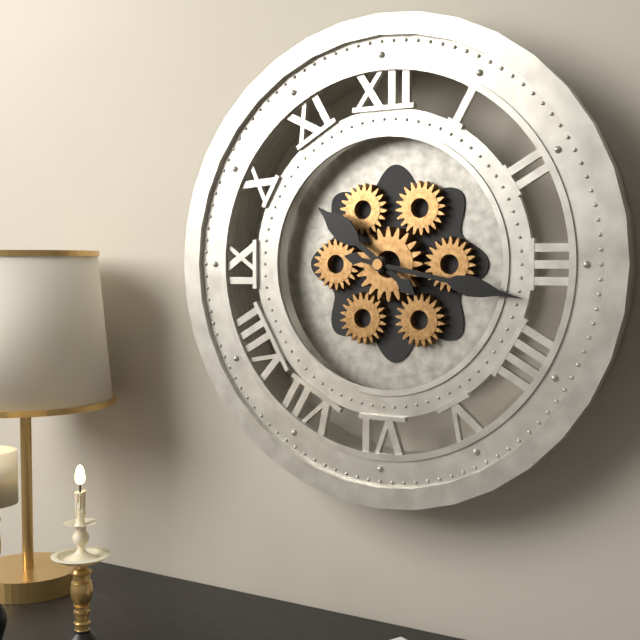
**10:17**
